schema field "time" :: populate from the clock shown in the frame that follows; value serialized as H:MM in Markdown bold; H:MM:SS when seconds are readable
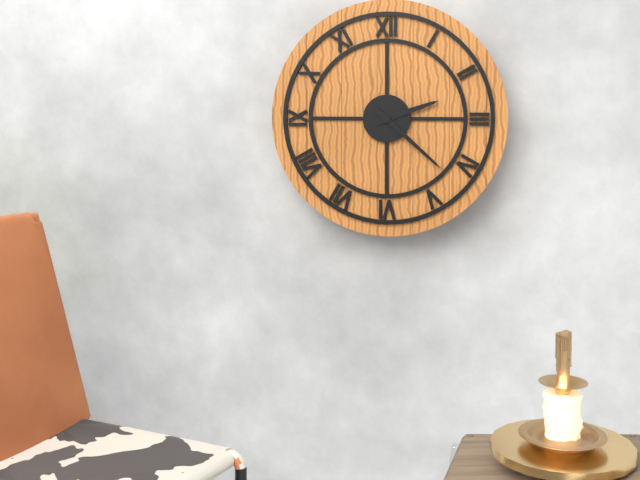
**2:22**
